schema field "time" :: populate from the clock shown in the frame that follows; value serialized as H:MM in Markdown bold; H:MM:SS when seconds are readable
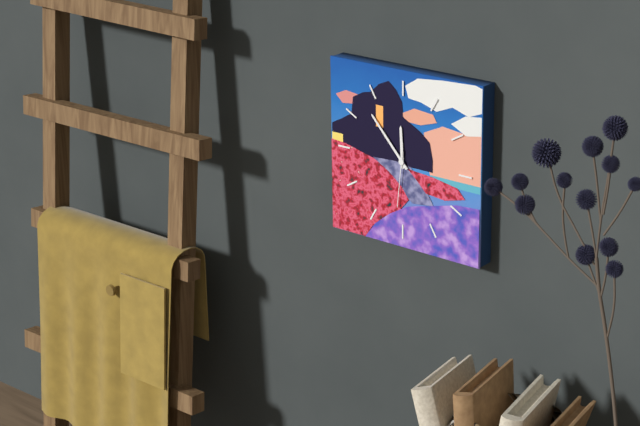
**11:53:31**
